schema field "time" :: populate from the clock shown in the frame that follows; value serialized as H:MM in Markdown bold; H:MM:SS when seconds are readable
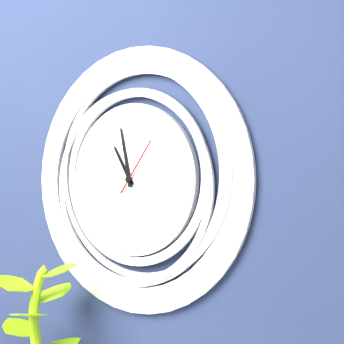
**10:58:06**
